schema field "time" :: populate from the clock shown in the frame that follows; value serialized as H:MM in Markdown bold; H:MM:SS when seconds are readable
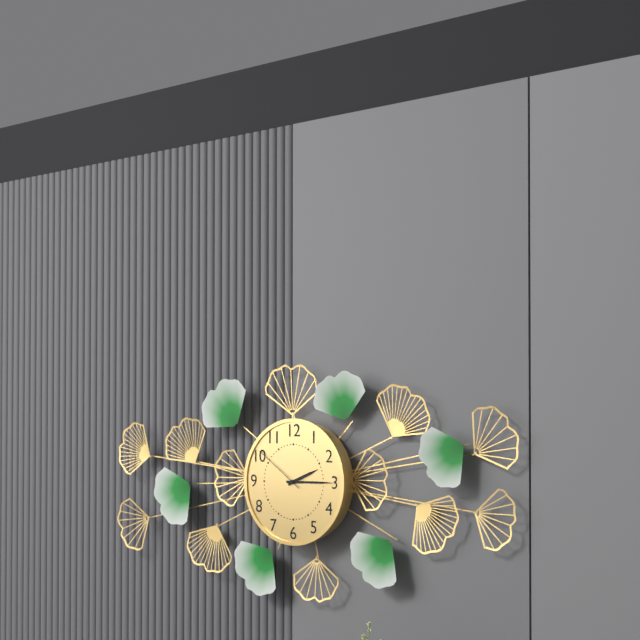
**2:15:51**
